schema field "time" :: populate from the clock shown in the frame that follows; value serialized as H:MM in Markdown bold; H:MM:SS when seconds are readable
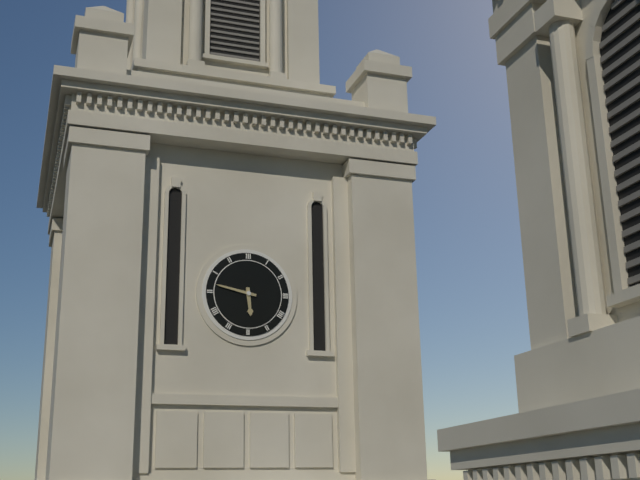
**5:47**
